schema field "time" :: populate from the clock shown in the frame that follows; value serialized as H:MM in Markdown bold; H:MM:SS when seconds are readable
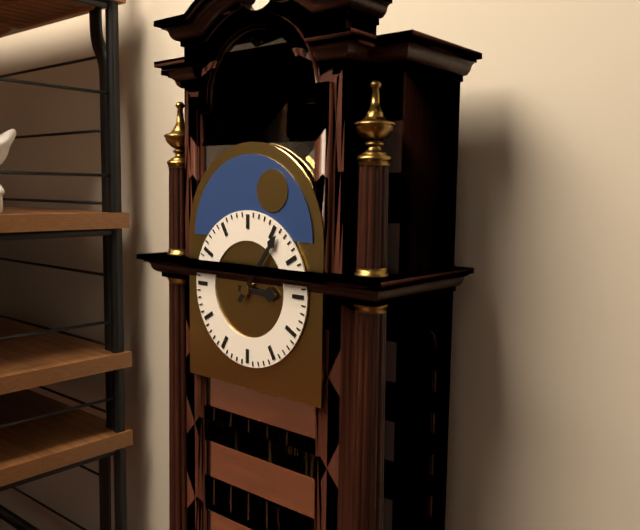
**3:06**
